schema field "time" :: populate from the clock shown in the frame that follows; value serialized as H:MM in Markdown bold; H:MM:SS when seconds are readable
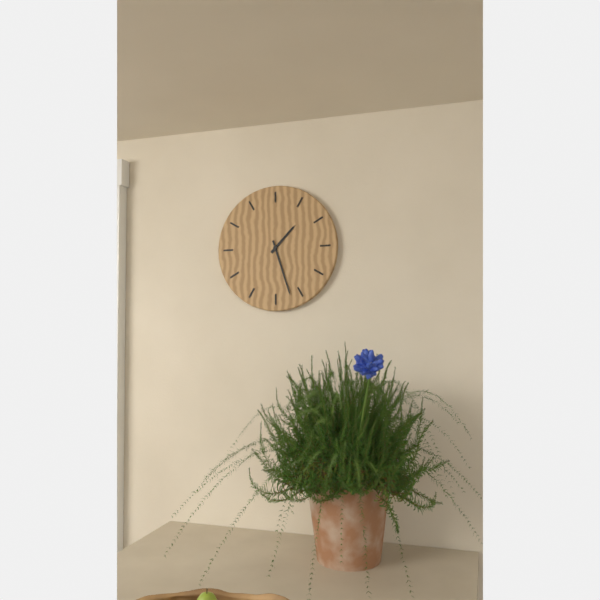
**1:27**
